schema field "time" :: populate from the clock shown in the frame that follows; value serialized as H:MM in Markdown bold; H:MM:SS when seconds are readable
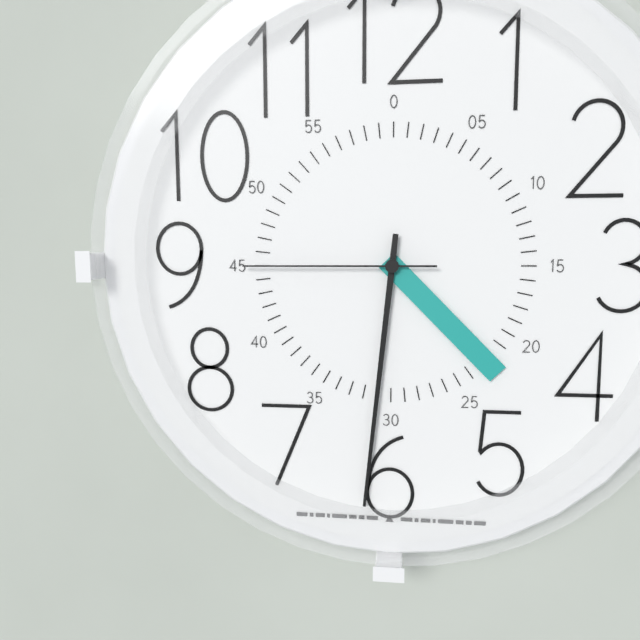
**4:31:45**
